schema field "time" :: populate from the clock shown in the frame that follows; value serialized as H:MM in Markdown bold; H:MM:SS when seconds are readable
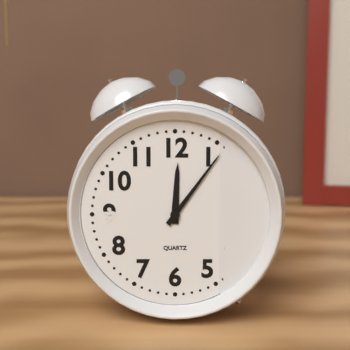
**12:06**
